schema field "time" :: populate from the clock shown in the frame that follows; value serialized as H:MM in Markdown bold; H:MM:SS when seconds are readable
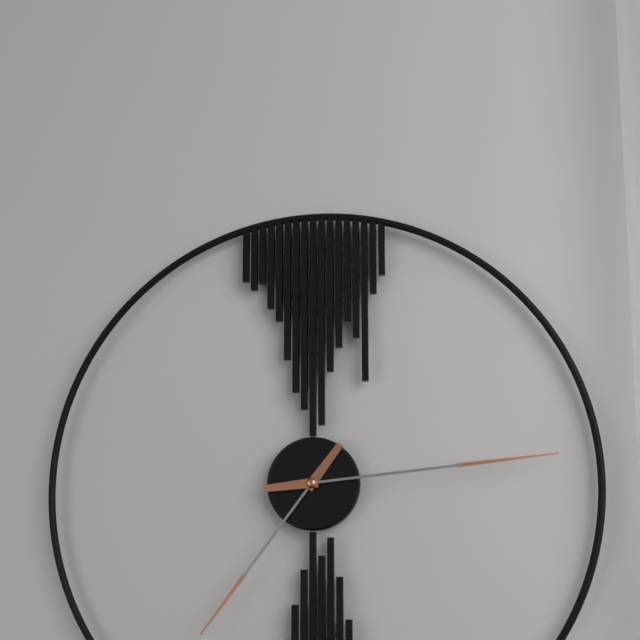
**7:14**
